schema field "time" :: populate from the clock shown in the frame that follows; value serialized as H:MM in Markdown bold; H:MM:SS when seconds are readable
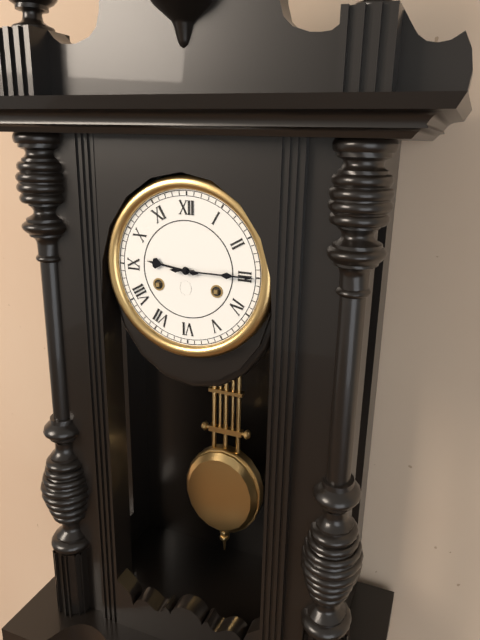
**9:15**
